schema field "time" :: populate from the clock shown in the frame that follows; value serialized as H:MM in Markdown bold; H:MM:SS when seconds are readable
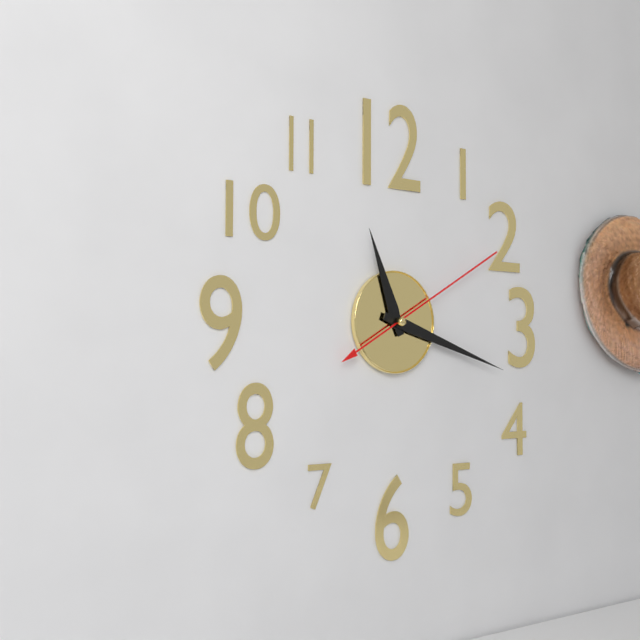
**11:18:10**
